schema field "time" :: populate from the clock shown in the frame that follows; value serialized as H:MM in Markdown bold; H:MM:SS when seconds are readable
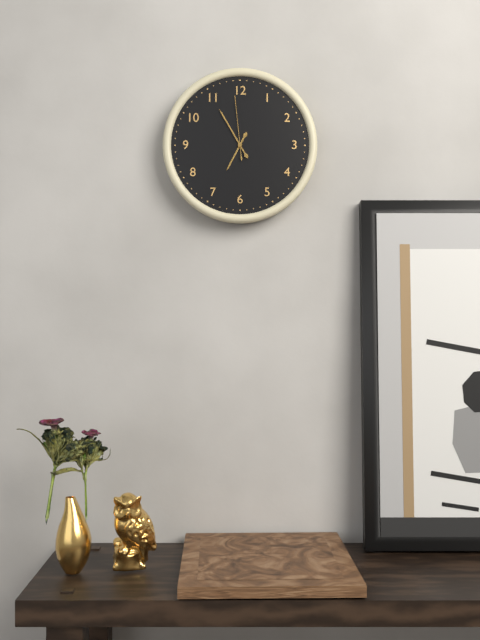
**6:55:59**
